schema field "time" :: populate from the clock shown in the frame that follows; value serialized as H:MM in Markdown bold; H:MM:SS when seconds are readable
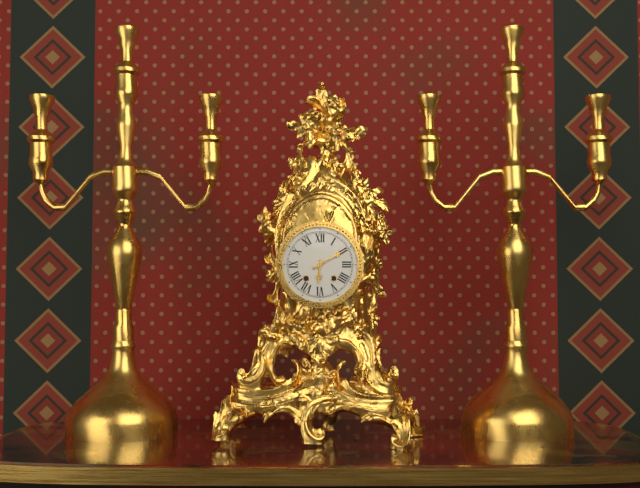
**6:10**
